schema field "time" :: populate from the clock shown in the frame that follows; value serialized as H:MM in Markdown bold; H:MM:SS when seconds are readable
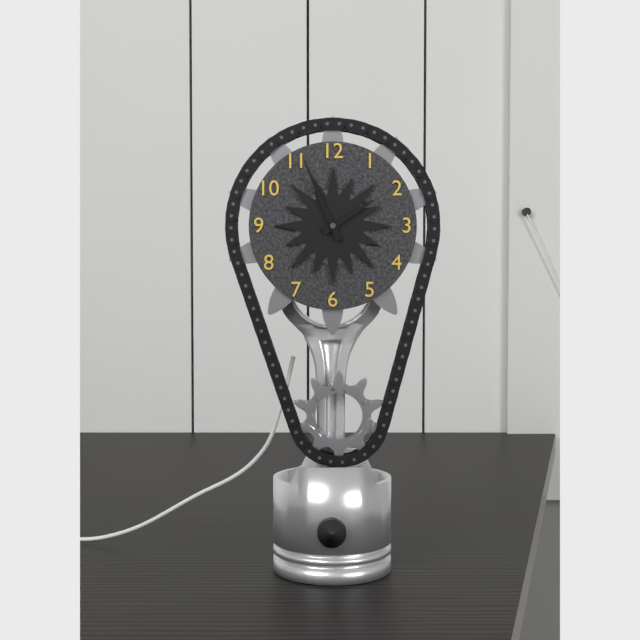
**1:56**
